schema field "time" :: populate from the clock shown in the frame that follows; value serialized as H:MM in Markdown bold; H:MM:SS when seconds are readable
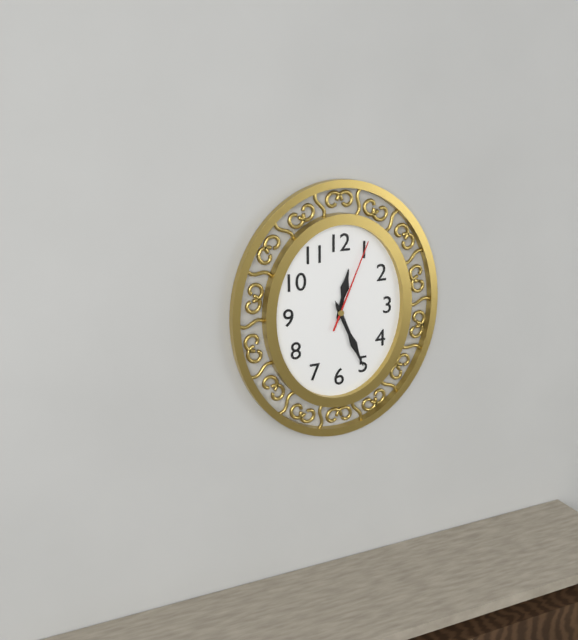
**12:26:04**
